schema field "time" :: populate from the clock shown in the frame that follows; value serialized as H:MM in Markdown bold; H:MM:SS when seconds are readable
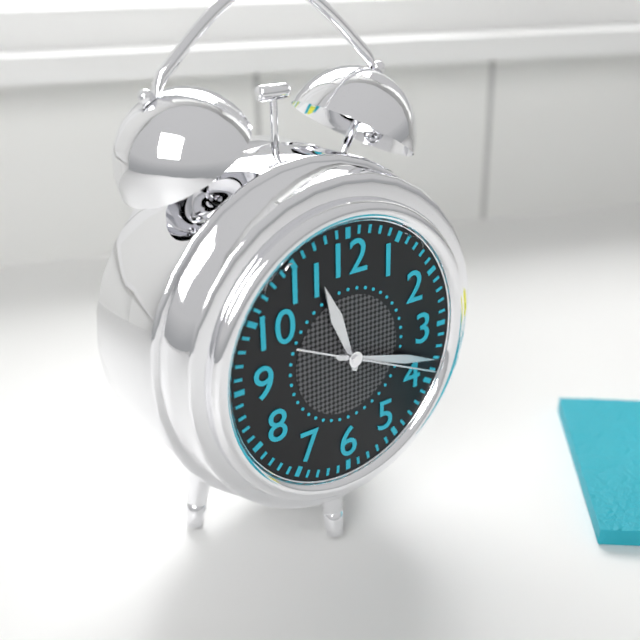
**11:18:19**
